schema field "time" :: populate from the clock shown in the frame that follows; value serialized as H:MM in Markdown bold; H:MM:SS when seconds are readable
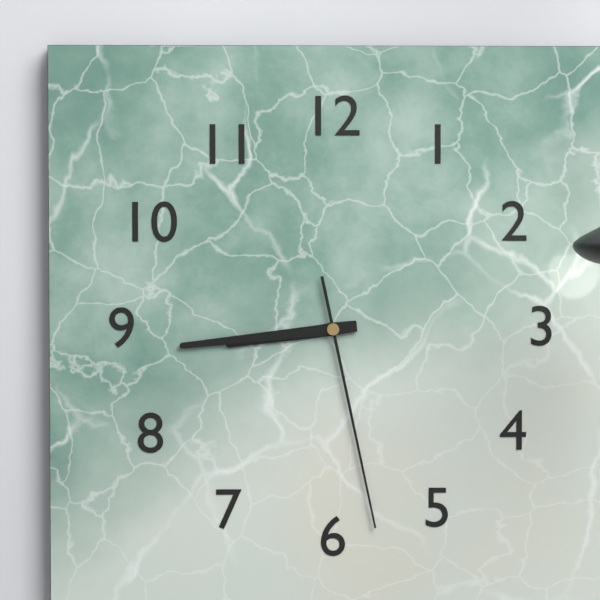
**8:44:28**
